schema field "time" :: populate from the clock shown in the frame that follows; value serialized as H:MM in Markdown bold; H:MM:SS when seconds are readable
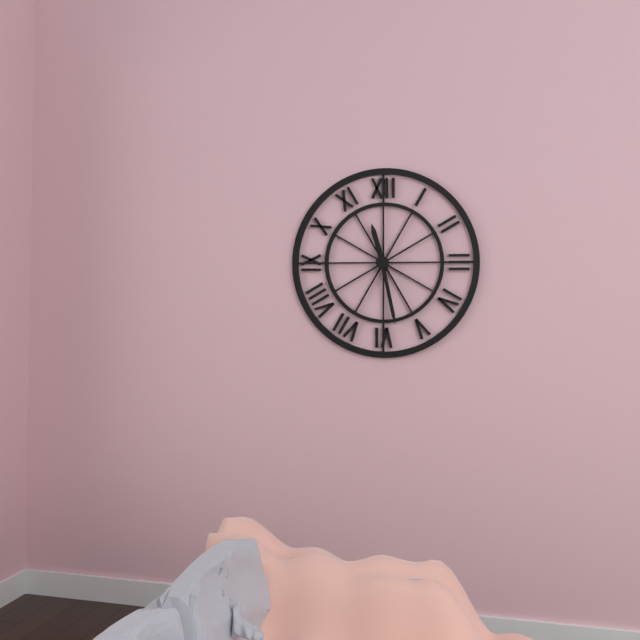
**11:28**
